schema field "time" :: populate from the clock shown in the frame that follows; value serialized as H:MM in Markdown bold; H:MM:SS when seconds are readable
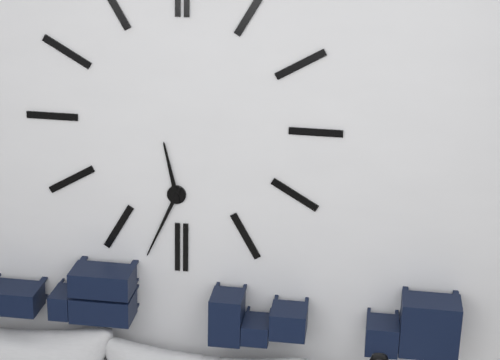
**11:34**
